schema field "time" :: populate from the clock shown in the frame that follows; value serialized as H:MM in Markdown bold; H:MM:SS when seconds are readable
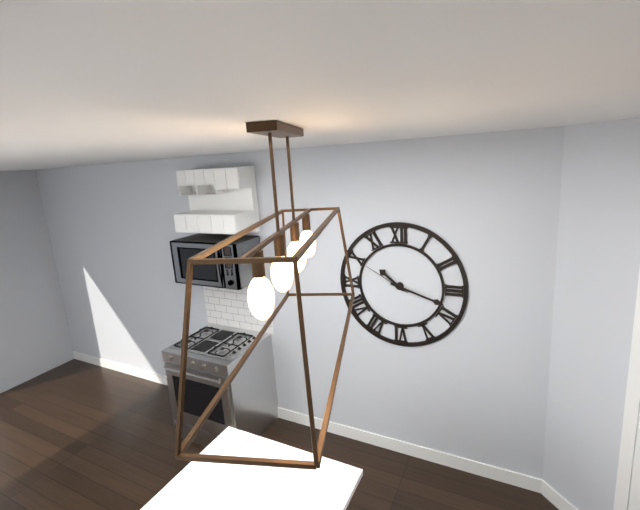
**10:18**
